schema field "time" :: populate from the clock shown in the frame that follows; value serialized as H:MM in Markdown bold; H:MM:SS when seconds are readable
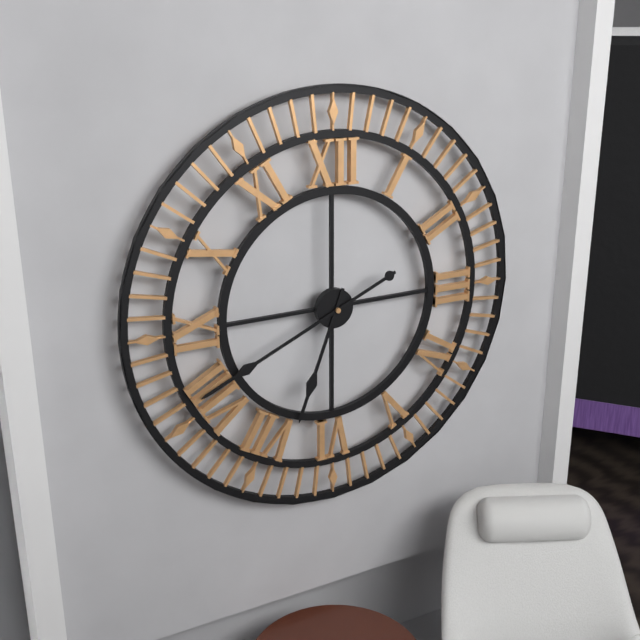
**6:41**
